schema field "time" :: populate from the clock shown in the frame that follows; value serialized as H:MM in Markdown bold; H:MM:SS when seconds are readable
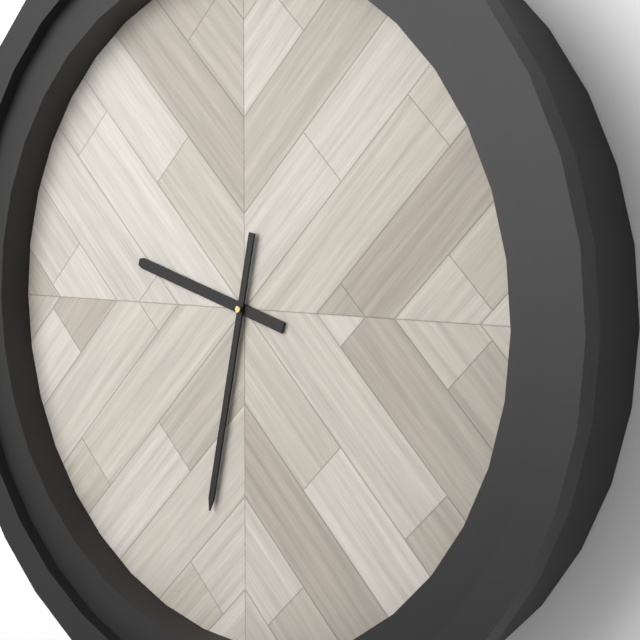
**9:32**
